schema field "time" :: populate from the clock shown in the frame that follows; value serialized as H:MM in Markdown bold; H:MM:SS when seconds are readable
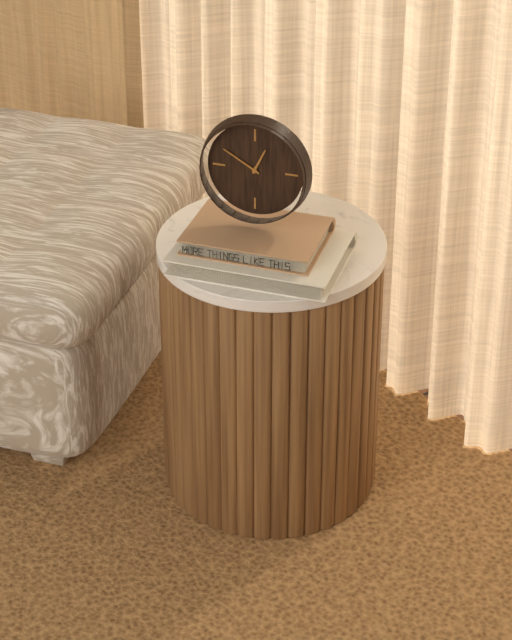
**12:50**
